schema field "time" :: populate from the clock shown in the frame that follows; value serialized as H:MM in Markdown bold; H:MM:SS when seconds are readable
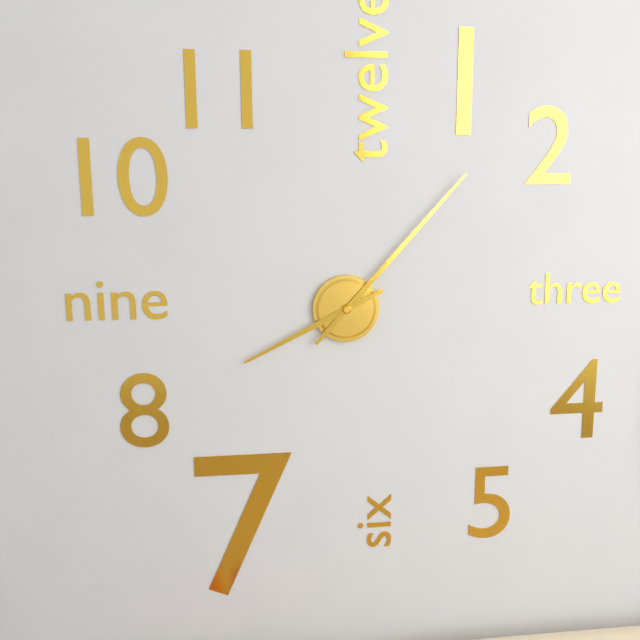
**8:07**
